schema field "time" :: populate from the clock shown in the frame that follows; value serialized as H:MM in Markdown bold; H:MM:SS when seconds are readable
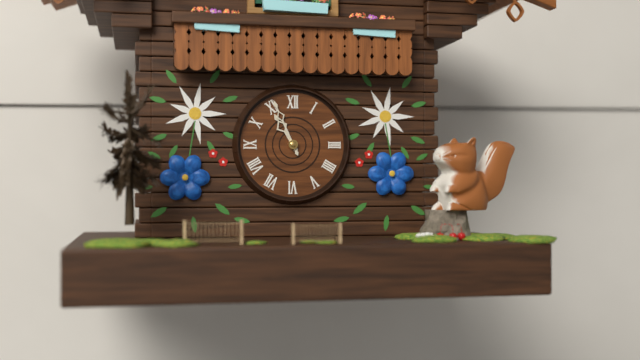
**10:56**
